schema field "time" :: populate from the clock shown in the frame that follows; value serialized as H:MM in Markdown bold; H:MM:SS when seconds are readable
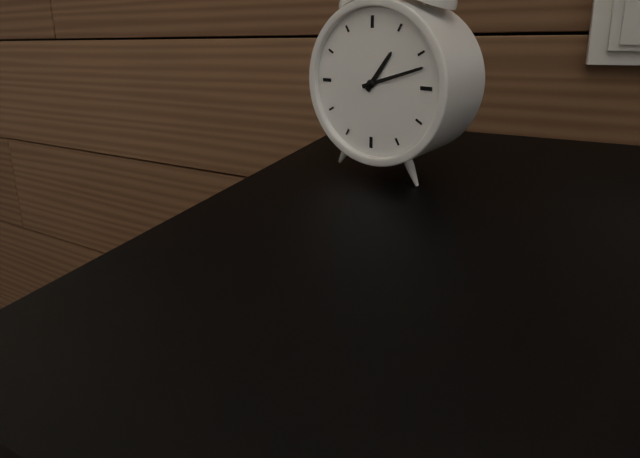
**1:12**
